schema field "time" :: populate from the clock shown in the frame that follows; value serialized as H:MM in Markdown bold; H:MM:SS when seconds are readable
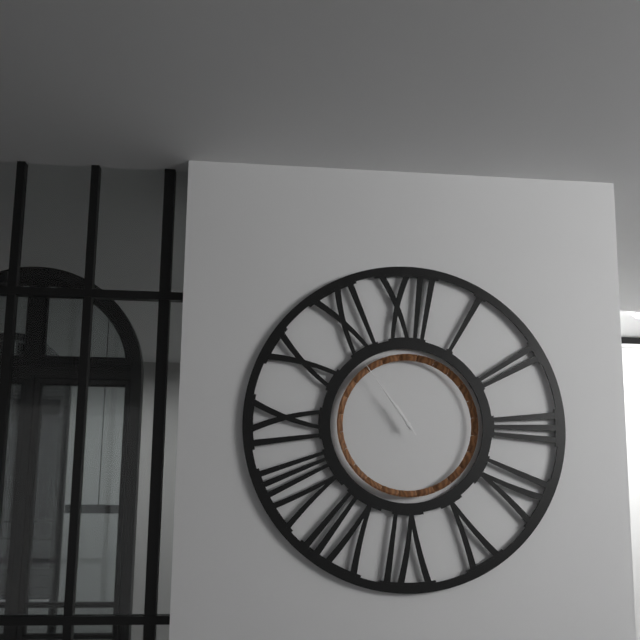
**10:54:54**
